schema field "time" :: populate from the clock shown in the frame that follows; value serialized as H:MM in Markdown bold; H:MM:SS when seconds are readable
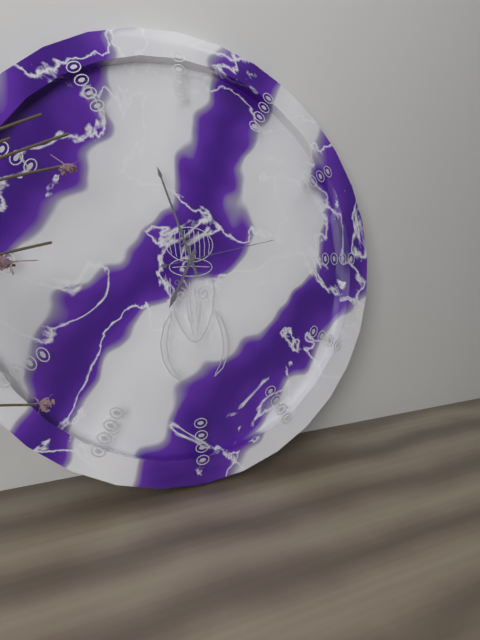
**6:57:13**
